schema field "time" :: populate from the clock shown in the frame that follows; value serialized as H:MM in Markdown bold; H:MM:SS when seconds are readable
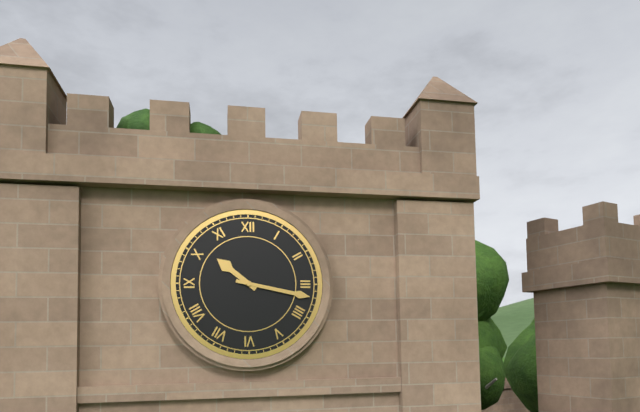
**10:17**
